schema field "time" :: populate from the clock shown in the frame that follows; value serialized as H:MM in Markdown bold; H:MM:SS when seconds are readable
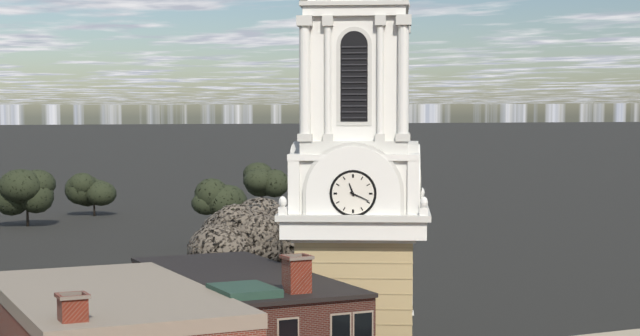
**11:19**
